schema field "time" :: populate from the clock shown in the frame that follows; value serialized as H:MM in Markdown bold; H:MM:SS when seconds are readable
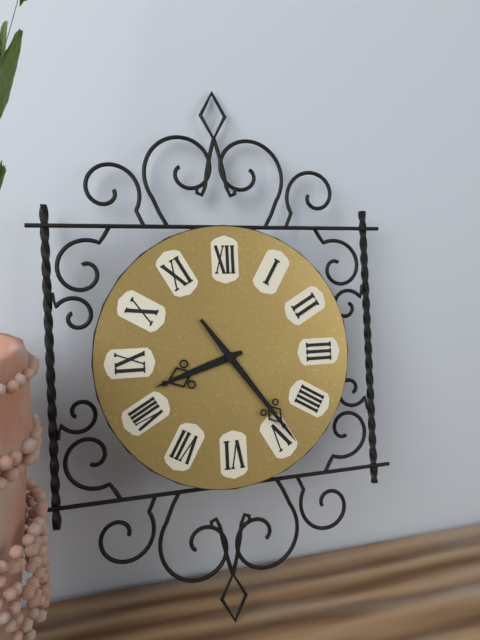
**8:24**
